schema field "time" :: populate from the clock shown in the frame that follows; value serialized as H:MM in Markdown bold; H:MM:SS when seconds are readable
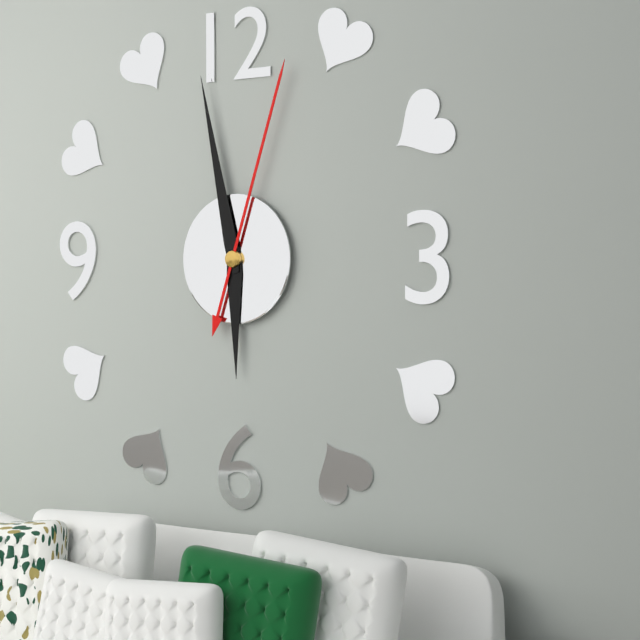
**5:58:03**
